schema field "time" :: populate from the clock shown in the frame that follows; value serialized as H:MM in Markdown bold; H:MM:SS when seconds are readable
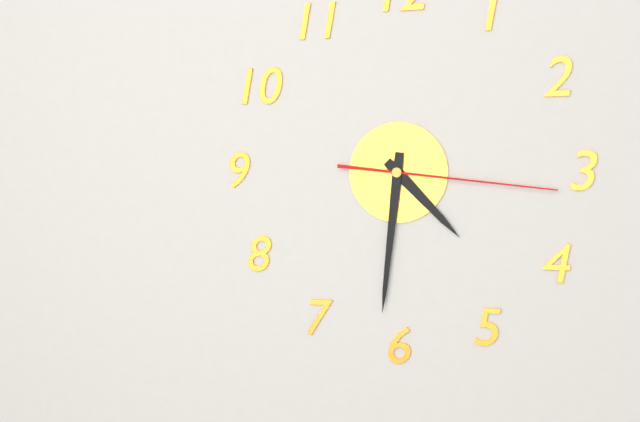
**4:31:16**
